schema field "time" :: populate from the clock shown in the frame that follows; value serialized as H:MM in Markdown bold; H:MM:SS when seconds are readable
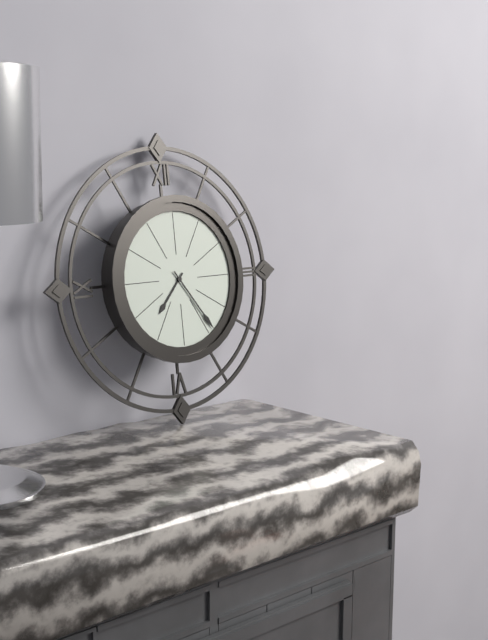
**7:24**
